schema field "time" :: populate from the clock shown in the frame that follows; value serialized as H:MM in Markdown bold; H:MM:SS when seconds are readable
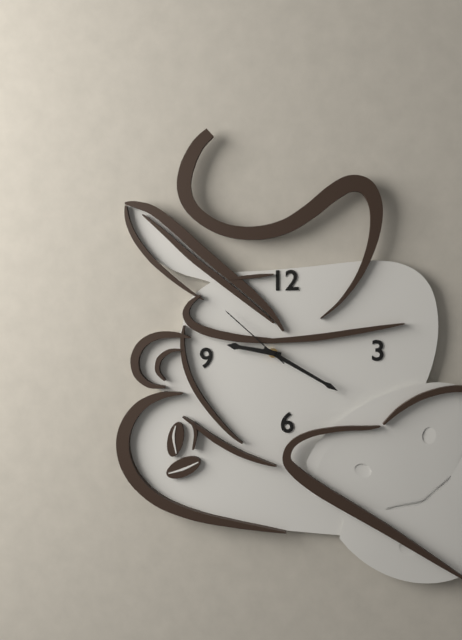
**9:20:52**
